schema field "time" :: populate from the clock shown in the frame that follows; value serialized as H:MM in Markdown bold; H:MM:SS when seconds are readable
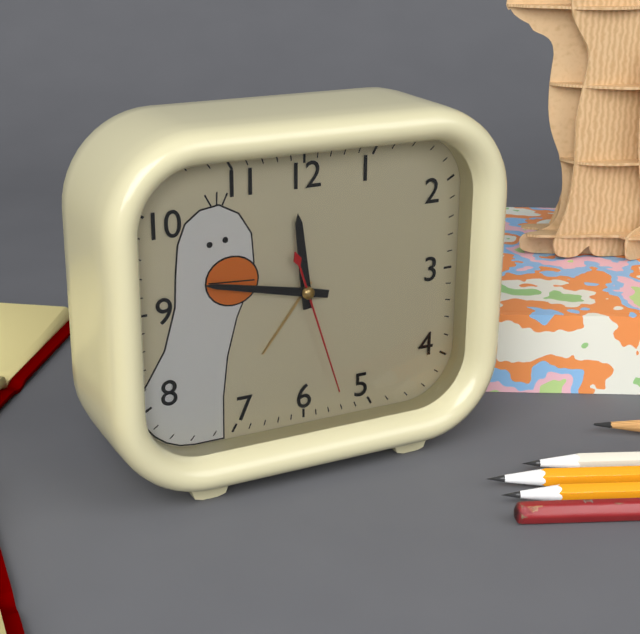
**11:47:27**
